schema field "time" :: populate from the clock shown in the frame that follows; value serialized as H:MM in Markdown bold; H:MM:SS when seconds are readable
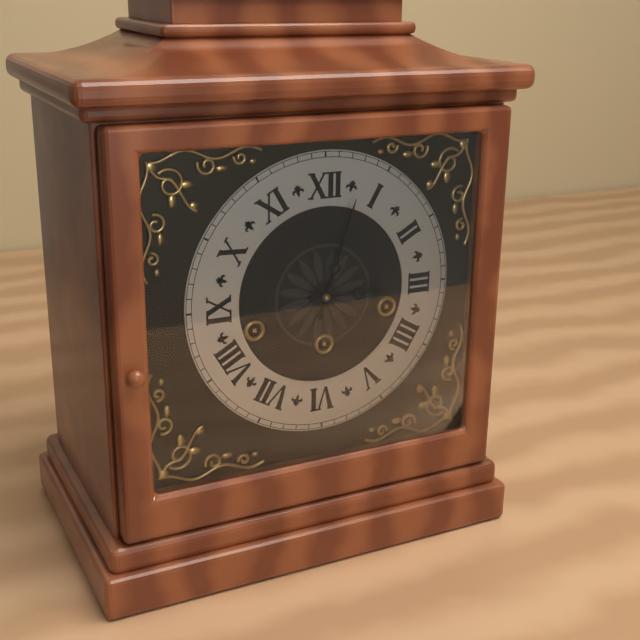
**3:03**
